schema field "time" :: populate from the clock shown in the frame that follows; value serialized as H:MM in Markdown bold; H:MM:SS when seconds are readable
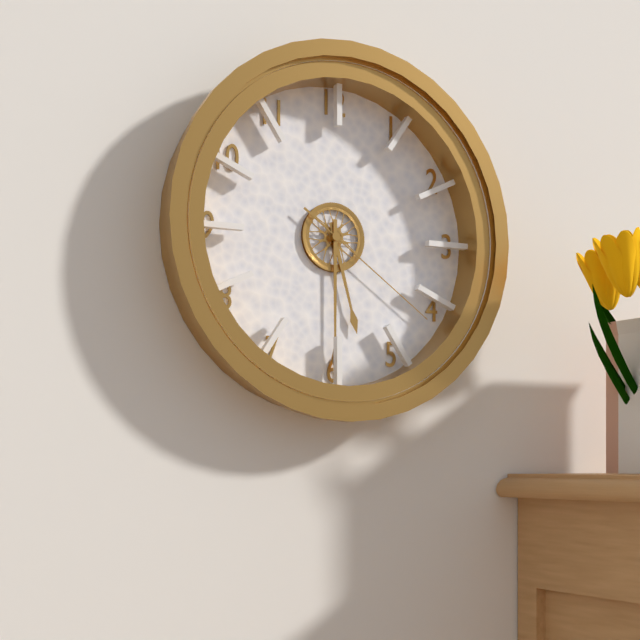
**5:30:21**
